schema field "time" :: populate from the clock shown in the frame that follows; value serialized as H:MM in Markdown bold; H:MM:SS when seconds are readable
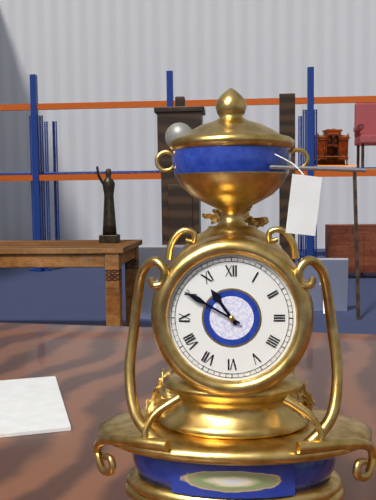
**10:50**
